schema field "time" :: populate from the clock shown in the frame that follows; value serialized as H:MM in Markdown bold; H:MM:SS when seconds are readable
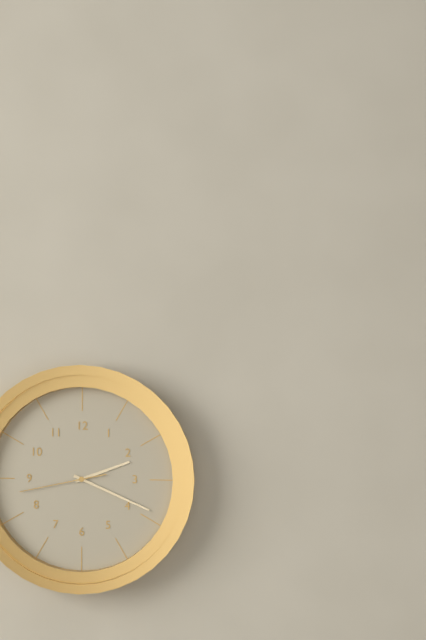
**2:19:43**
